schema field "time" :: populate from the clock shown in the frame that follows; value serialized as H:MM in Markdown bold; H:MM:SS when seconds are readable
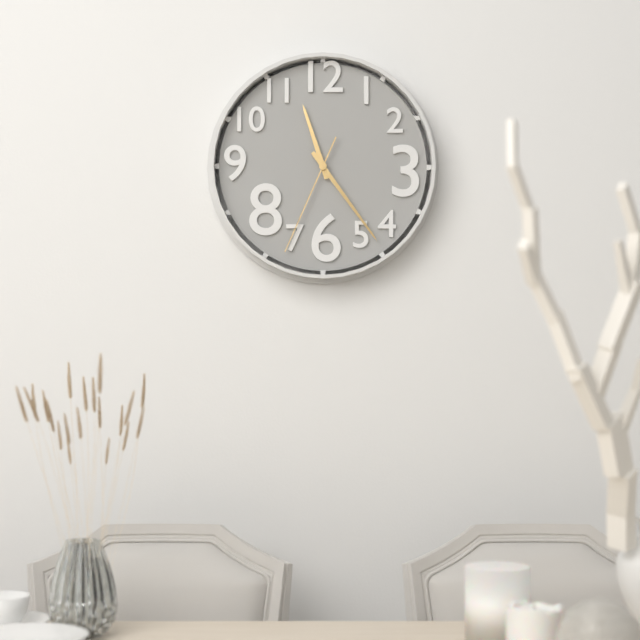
**11:24:34**
